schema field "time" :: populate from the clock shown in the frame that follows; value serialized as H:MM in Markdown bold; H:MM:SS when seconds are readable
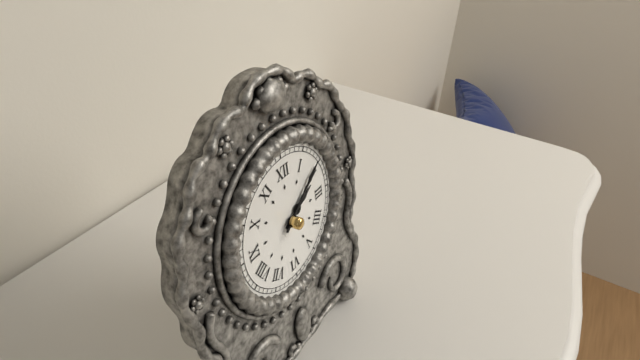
**2:09**
